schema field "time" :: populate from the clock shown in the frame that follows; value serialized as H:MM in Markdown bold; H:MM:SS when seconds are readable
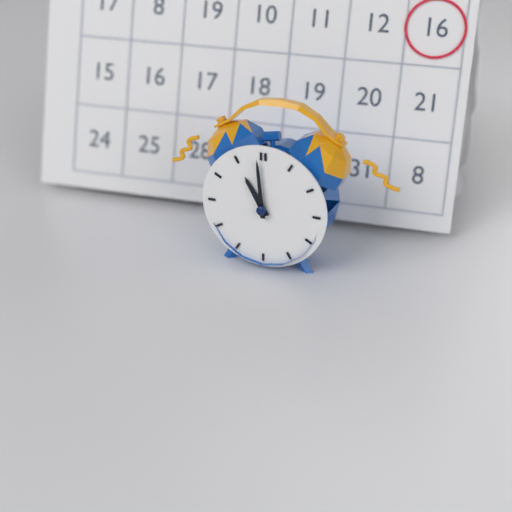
**10:59**
